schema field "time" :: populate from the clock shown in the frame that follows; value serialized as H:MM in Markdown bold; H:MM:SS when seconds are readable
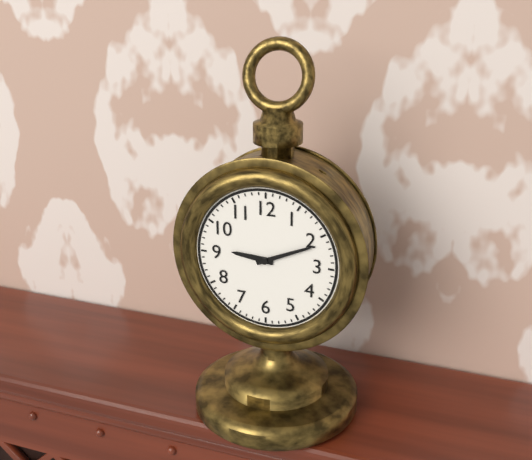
**9:11**
